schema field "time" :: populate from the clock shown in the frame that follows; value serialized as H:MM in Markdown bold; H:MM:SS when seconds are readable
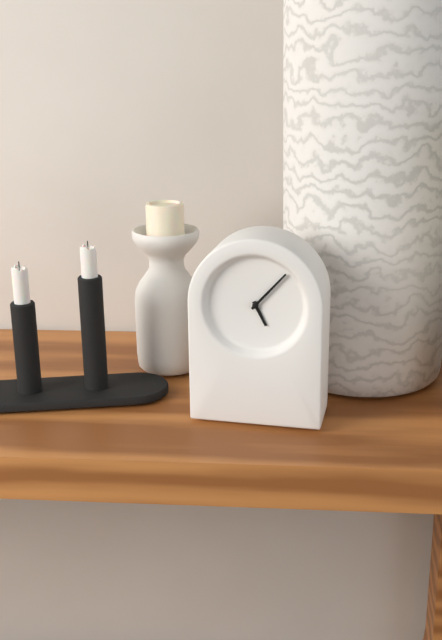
**5:07**
